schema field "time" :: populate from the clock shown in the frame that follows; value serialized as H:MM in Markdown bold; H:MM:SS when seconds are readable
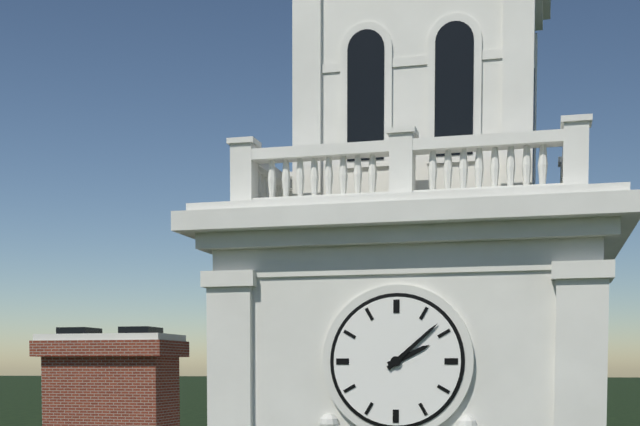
**2:08**
